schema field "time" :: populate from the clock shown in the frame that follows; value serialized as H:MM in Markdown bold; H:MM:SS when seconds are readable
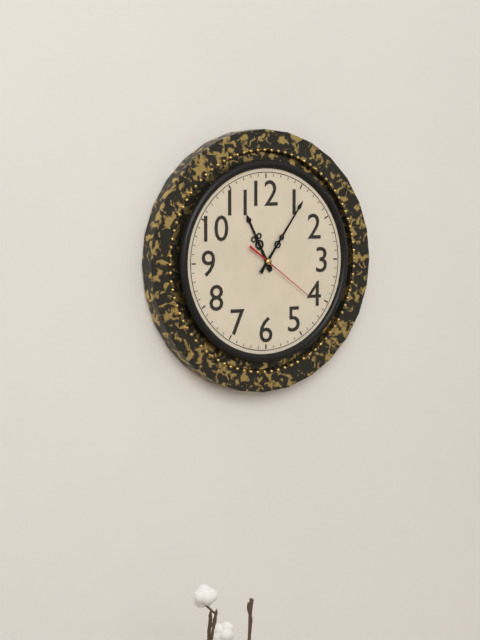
**11:06:21**
